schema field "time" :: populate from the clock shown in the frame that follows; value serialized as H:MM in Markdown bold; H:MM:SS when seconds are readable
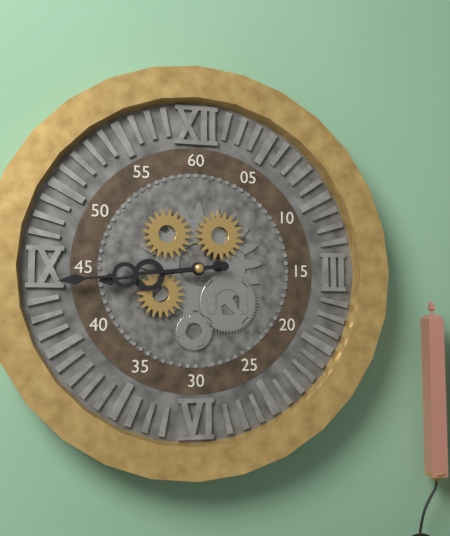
**8:44**
